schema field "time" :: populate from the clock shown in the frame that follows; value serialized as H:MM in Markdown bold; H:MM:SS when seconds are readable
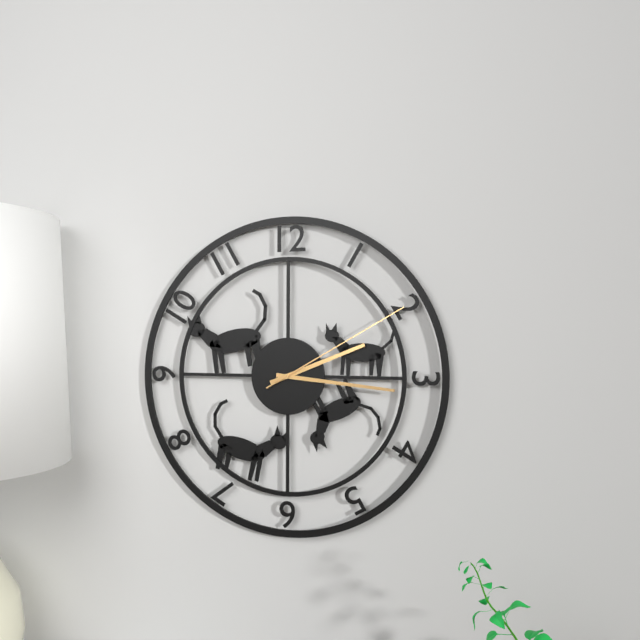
**2:16:10**
